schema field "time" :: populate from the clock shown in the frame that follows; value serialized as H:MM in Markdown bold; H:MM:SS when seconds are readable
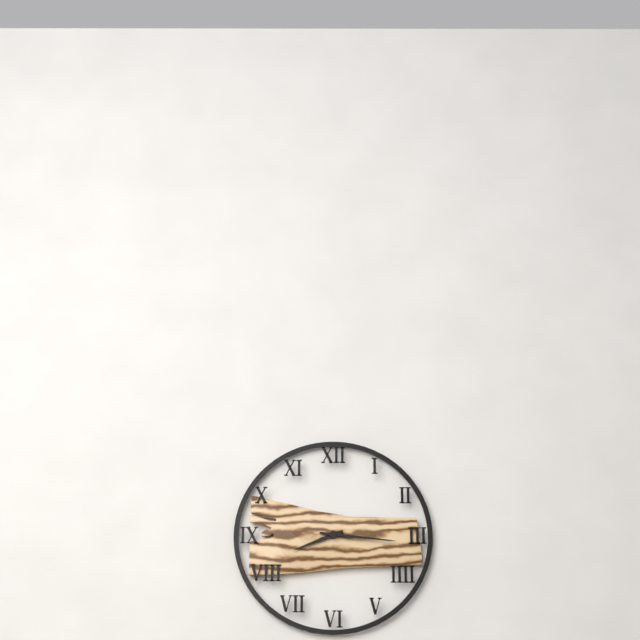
**8:16**
